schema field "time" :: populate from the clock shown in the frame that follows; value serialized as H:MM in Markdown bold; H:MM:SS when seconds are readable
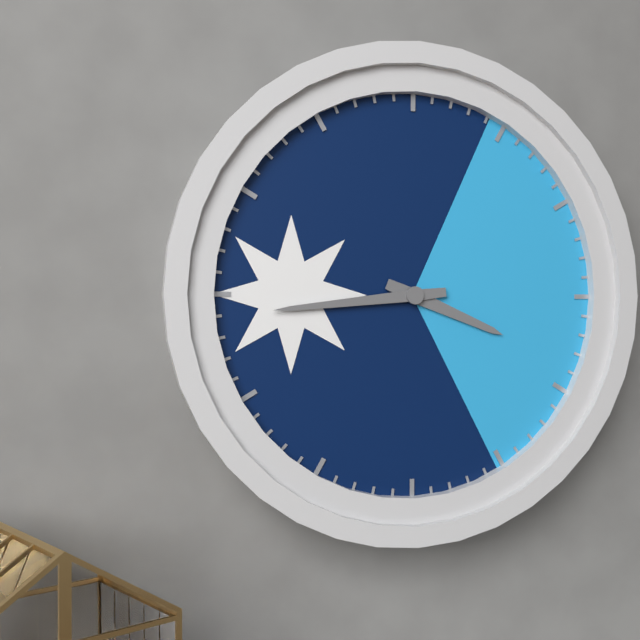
**3:44**
